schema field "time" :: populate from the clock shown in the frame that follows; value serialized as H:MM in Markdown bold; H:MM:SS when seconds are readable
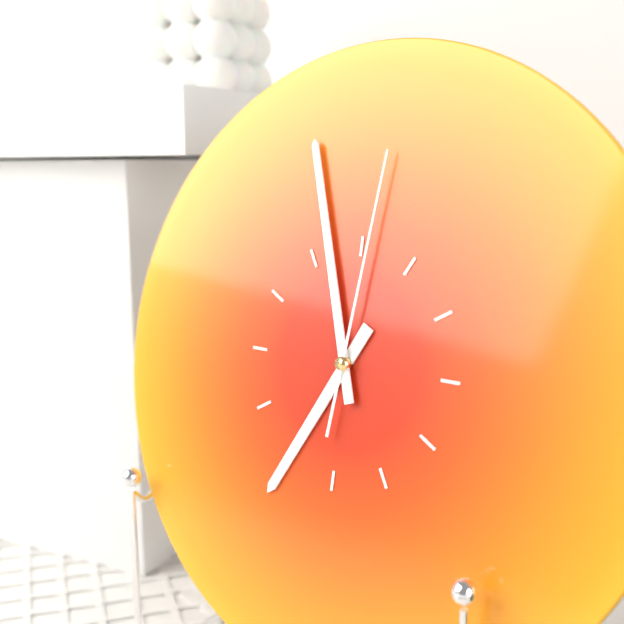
**6:57:01**
